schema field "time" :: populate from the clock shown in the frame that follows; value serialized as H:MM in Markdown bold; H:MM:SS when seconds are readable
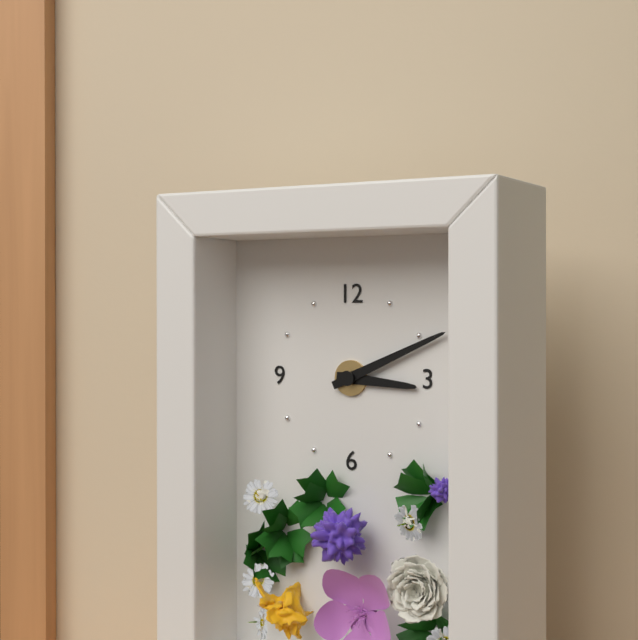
**3:11**
